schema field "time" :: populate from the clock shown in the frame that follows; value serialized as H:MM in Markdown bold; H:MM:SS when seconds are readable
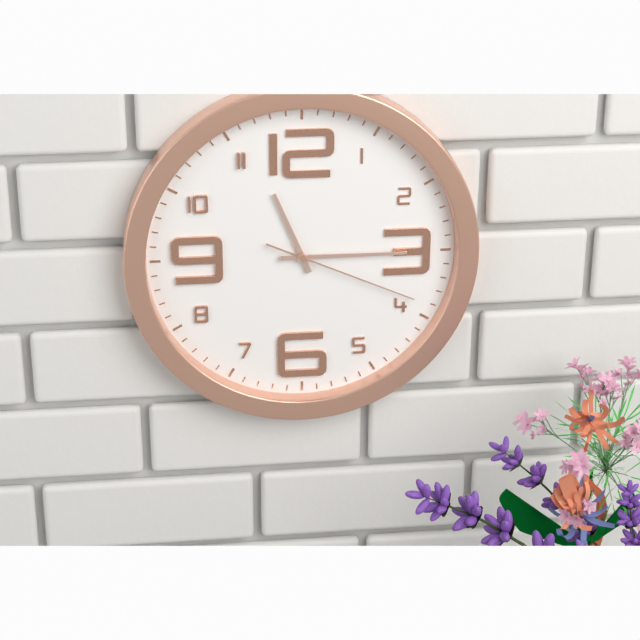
**11:15:19**
